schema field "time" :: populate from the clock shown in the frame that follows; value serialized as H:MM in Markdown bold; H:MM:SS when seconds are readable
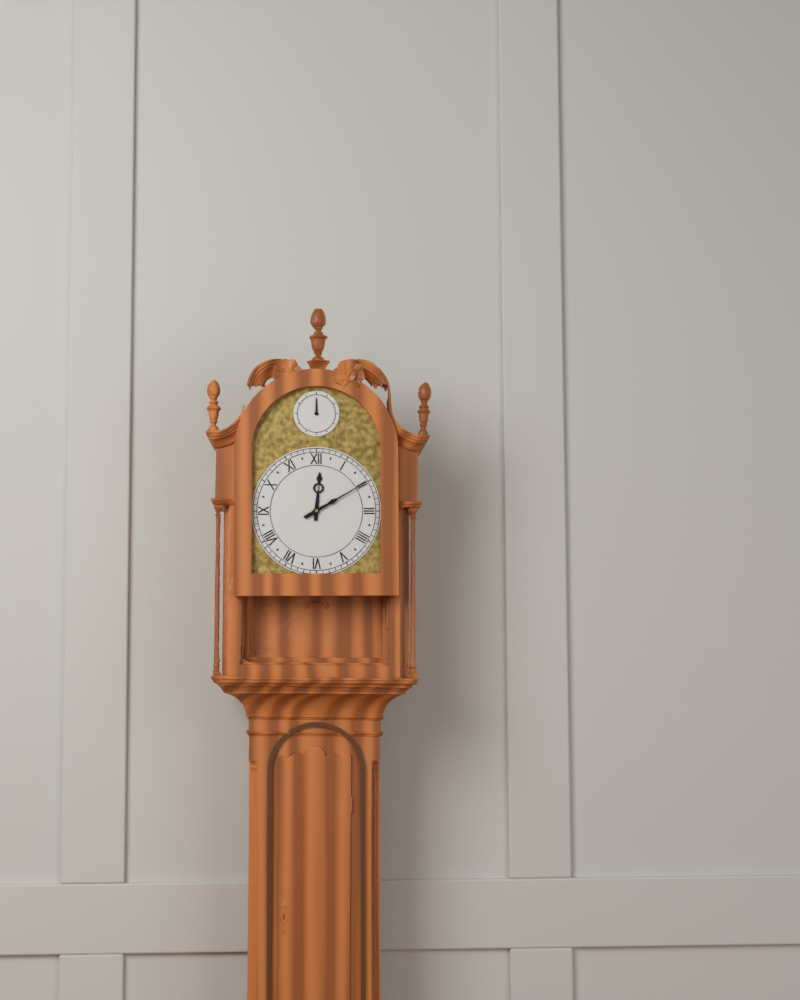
**12:10**
